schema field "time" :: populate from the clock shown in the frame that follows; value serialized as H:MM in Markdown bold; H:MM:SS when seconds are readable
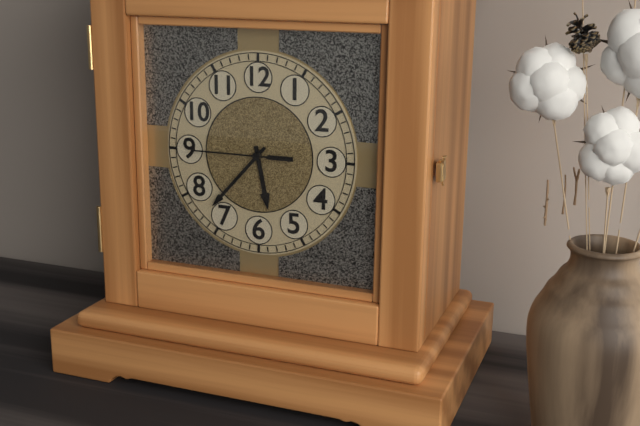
**5:37:45**
